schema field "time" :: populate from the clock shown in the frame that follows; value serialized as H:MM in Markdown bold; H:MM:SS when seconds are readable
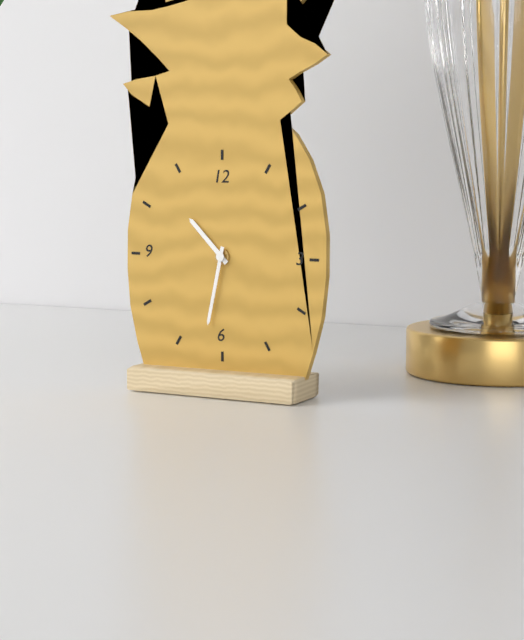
**10:32**
